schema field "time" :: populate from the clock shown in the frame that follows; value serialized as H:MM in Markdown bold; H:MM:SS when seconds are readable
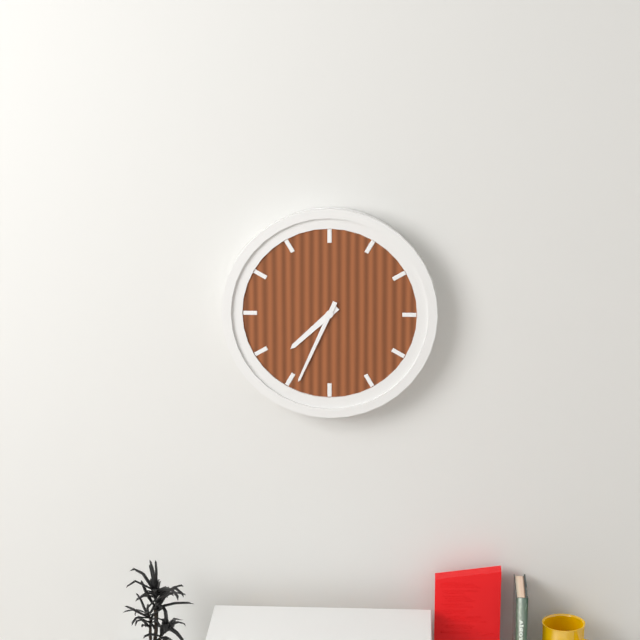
**7:34**
